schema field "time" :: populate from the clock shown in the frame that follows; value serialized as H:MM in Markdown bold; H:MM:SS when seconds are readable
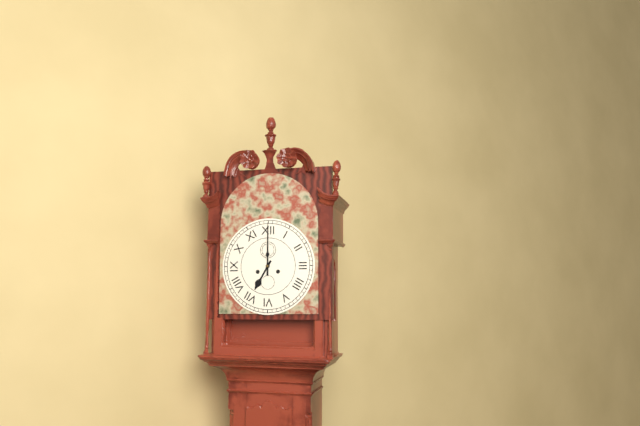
**7:00**
